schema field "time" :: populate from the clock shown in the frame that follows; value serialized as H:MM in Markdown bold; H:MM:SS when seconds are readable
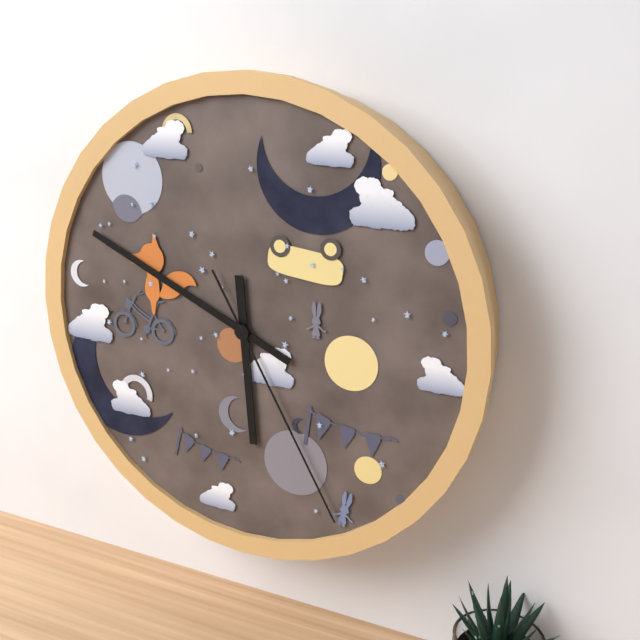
**5:49:25**
